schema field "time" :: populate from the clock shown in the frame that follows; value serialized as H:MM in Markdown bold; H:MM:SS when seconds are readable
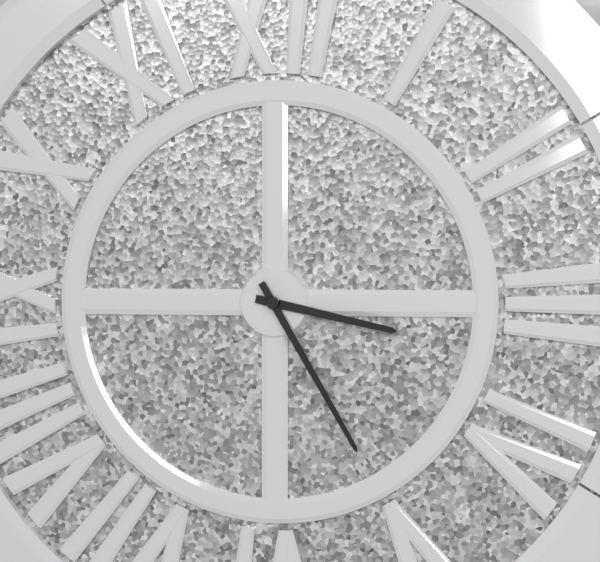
**3:25**
